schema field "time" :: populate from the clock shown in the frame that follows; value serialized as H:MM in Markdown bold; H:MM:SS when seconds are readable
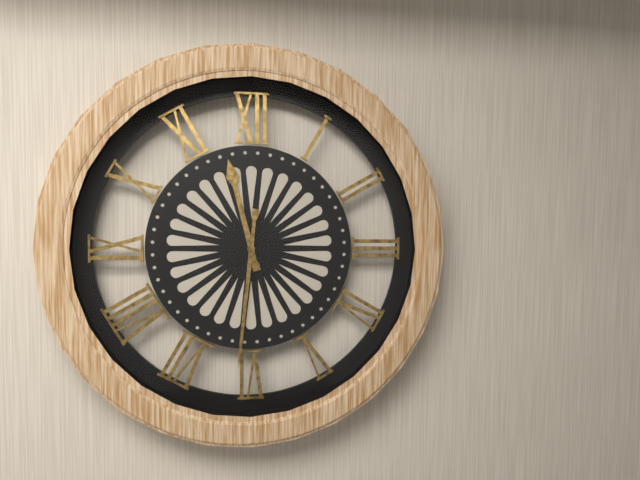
**11:31**
